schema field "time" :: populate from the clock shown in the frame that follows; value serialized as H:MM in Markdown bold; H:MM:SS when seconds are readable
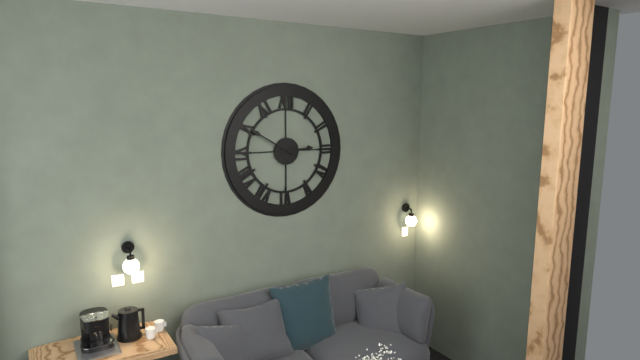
**2:50**
